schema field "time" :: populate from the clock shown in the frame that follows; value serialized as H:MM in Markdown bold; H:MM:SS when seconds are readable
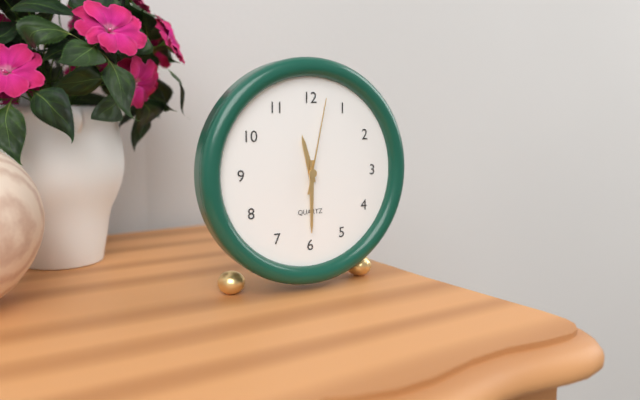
**11:30:02**
